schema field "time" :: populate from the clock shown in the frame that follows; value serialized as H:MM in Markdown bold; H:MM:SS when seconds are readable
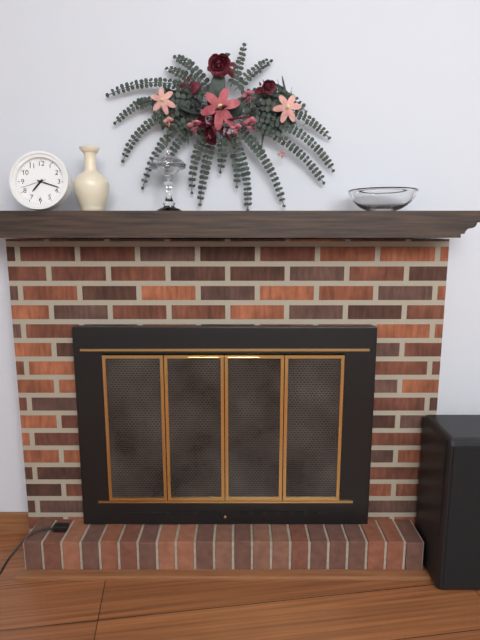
**7:18**
